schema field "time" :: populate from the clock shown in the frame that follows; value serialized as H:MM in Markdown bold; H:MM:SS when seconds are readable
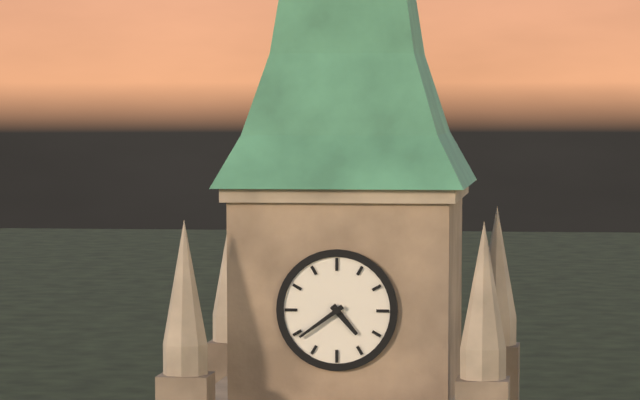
**4:39**
